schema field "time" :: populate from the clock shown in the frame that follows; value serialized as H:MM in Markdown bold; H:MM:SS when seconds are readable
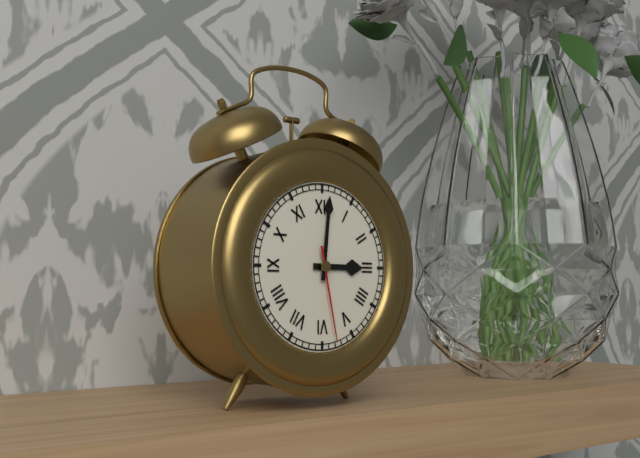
**3:01:28**
